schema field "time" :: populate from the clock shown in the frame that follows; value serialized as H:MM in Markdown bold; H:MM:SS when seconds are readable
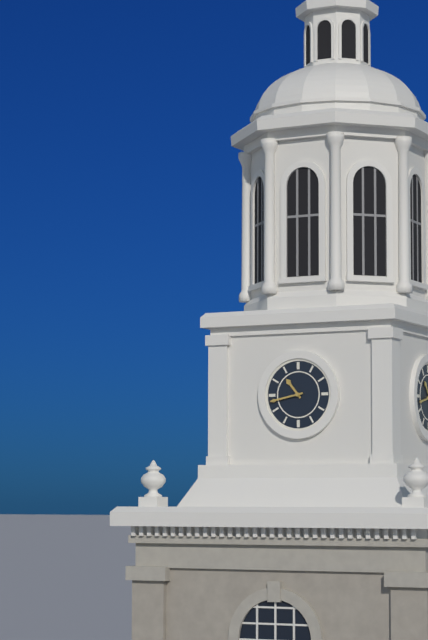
**10:43**
